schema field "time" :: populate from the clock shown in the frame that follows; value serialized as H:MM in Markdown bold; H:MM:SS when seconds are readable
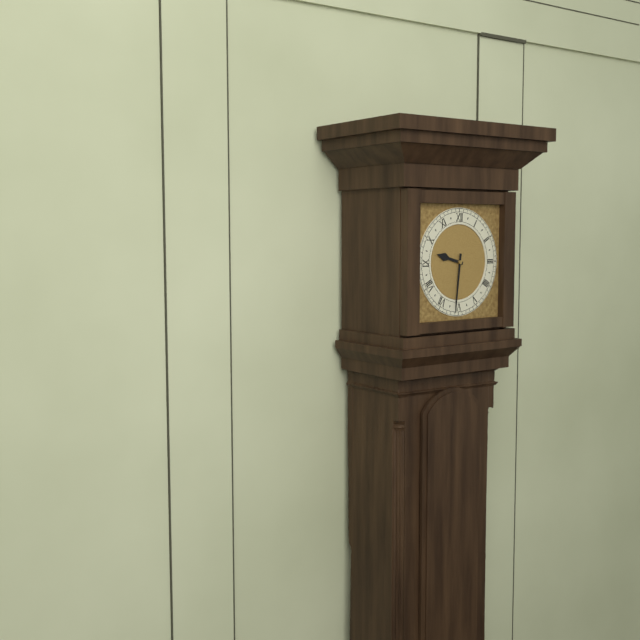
**9:31**
